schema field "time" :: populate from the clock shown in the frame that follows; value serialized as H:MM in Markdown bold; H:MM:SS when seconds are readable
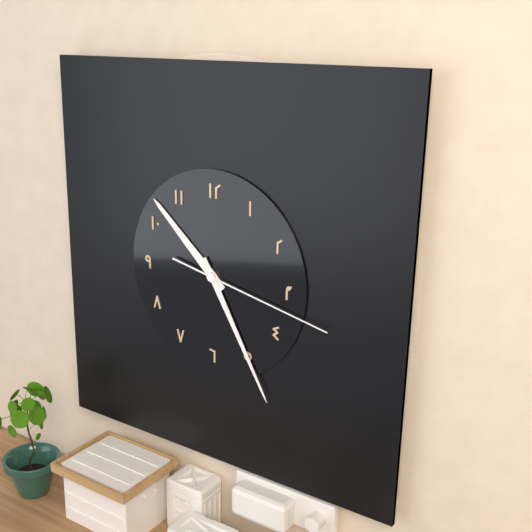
**10:25:17**
